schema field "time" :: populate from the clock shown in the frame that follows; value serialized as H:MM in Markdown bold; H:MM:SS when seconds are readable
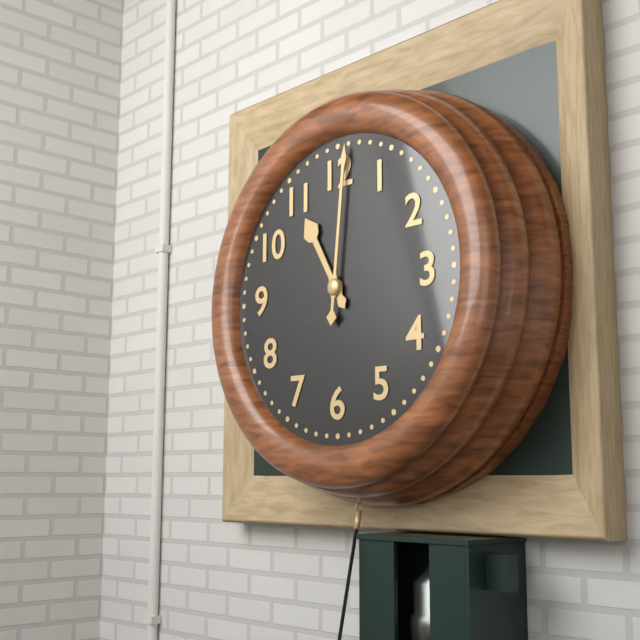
**11:01**
